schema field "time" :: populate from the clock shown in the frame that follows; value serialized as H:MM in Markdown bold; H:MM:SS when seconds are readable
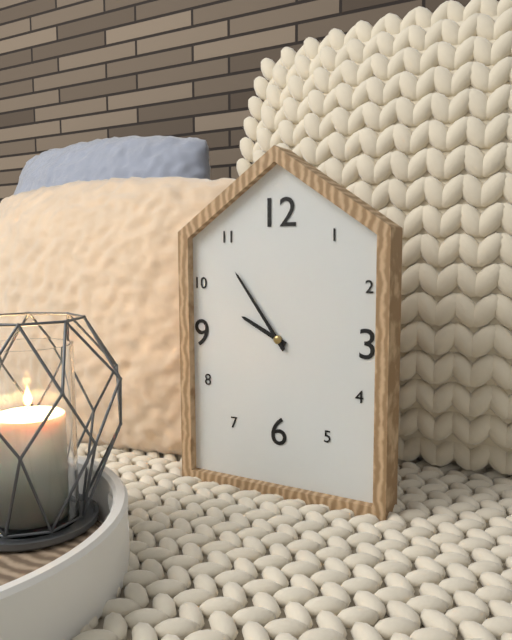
**9:54**
